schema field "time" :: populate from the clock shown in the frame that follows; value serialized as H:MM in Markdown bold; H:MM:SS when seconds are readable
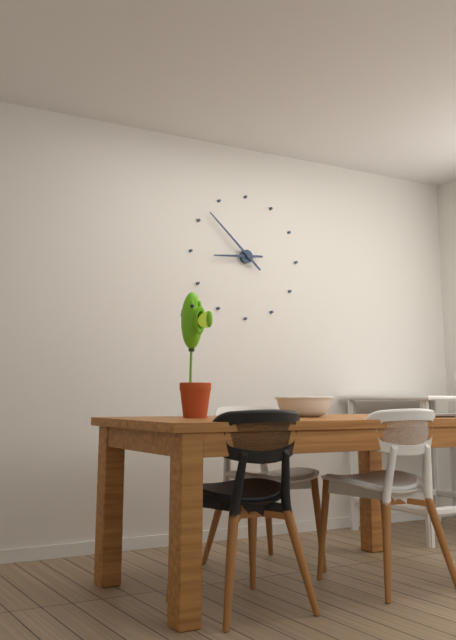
**8:52**
